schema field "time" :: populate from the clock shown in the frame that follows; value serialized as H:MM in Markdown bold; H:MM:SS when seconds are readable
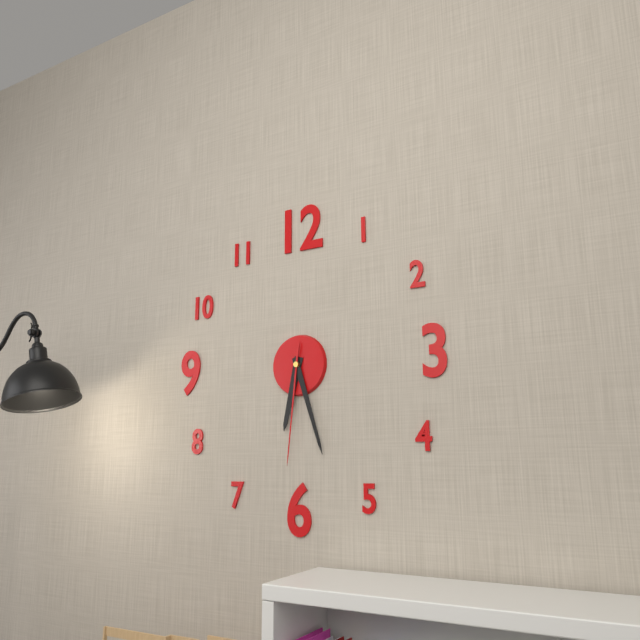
**6:27:31**
